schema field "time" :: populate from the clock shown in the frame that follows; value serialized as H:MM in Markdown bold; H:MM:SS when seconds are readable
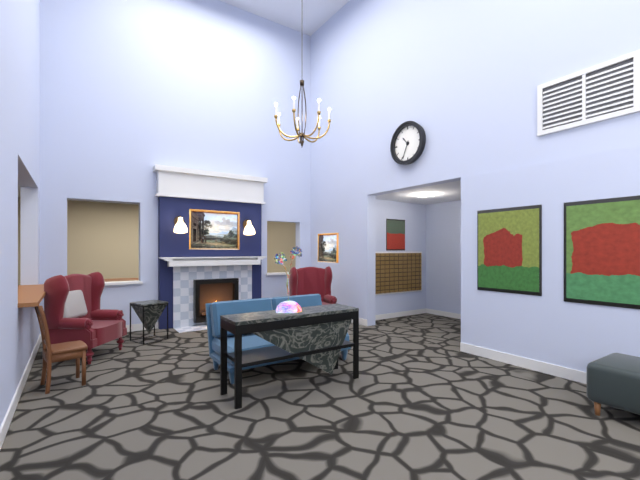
**10:34**
